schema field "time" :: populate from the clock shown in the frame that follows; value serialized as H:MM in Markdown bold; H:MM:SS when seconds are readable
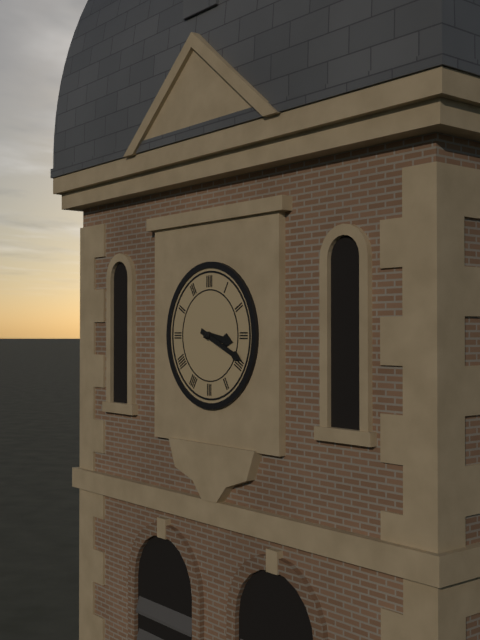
**3:19**
